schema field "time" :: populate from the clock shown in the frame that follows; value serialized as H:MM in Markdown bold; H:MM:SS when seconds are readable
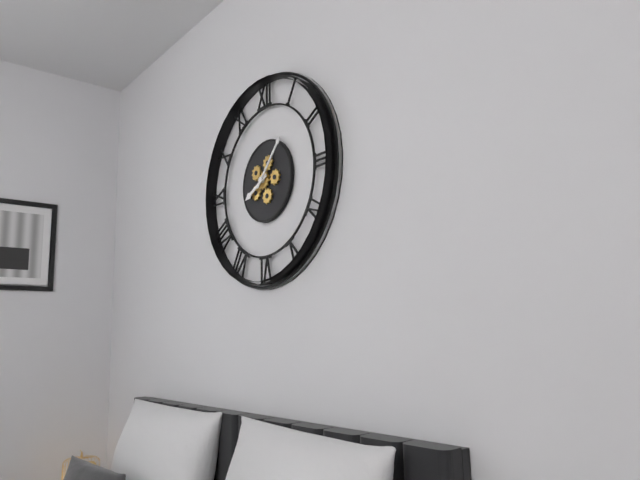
**8:07**
